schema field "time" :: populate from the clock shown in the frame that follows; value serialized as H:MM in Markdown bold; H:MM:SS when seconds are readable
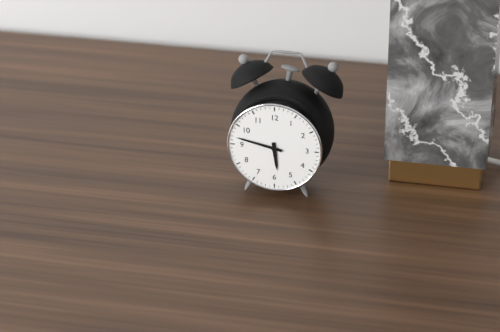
**5:47**
